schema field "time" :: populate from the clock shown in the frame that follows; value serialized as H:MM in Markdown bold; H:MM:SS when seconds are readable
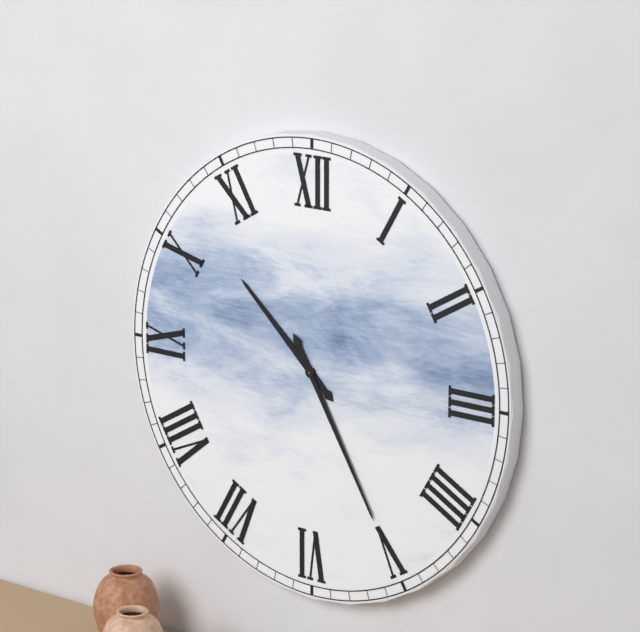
**10:25**
